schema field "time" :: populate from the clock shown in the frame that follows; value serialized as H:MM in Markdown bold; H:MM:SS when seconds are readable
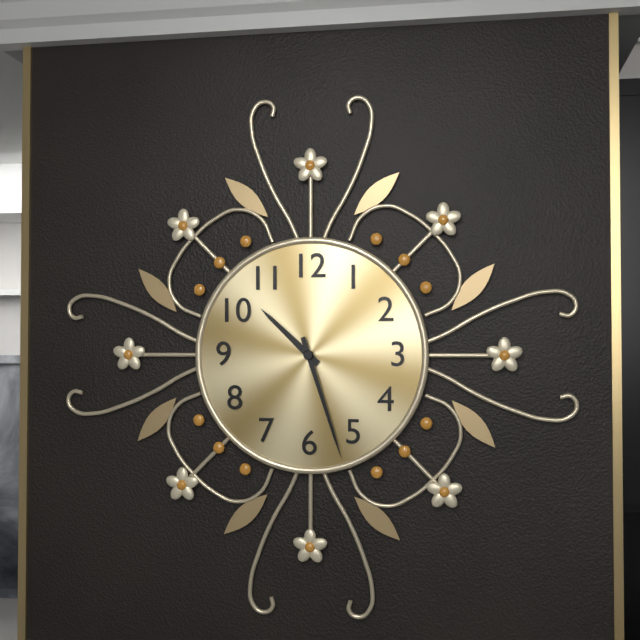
**10:27**
